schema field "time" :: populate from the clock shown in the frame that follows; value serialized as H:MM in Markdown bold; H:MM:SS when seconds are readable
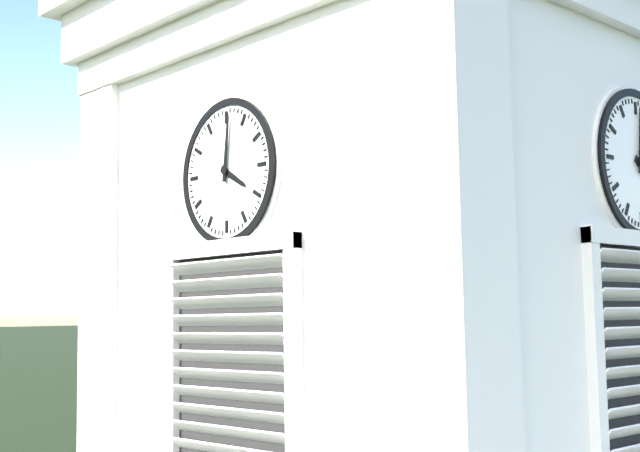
**4:01**
